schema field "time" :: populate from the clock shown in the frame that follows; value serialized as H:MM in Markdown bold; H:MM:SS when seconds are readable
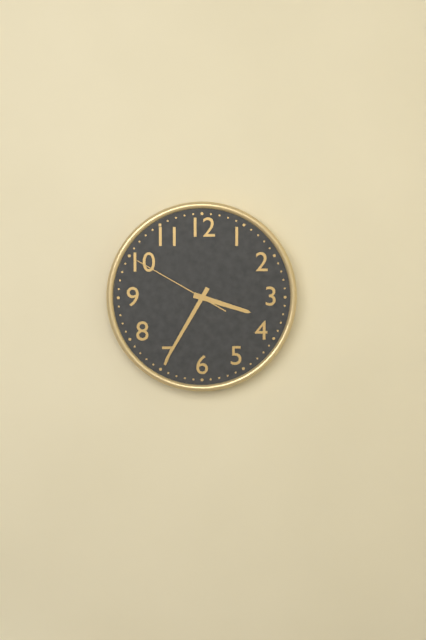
**3:35:50**
